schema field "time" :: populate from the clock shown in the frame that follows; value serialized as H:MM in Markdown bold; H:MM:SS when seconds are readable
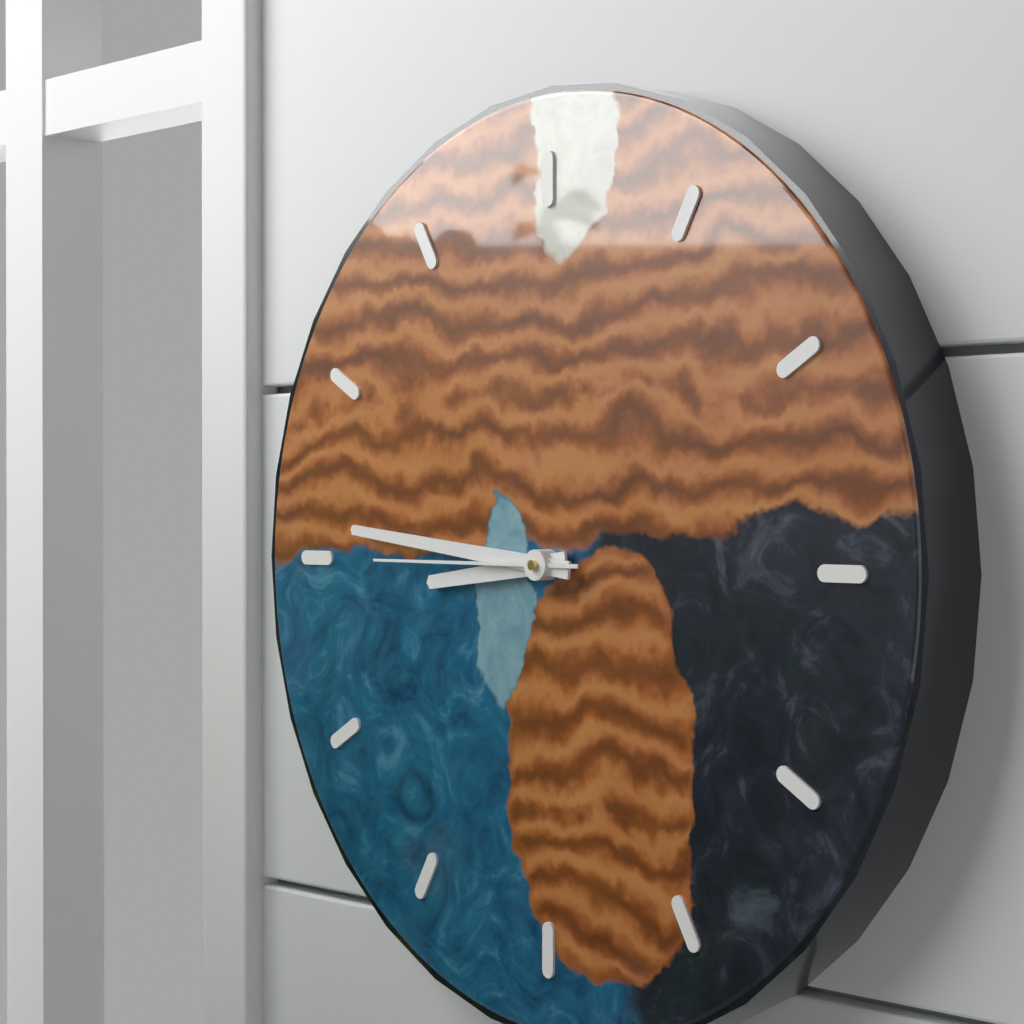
**8:46:45**
